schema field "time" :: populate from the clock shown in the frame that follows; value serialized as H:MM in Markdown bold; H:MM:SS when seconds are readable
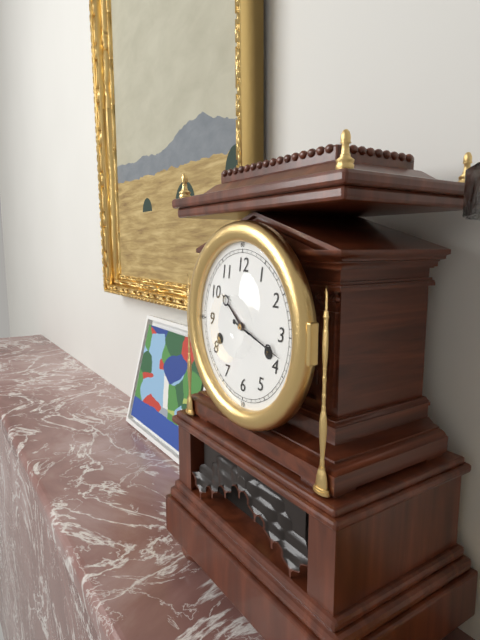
**10:18**
